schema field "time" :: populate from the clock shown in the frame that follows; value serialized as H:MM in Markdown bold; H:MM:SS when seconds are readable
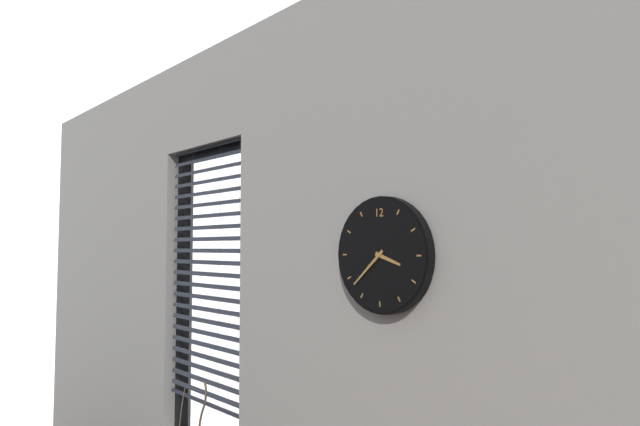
**3:38**
